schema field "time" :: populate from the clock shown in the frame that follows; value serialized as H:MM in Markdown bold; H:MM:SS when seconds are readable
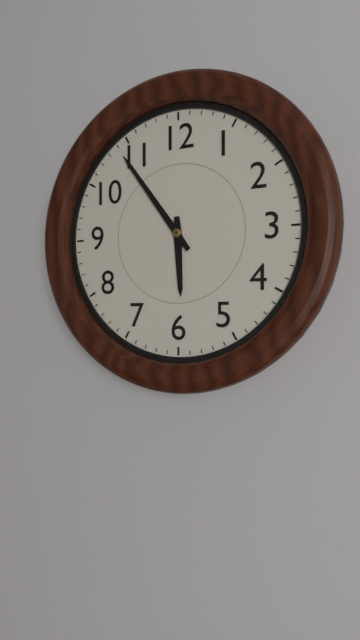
**5:54**
